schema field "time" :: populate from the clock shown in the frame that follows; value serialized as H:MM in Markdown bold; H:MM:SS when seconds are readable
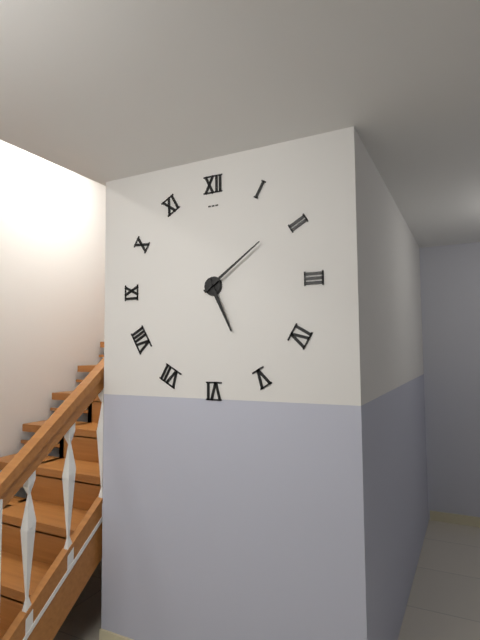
**5:09**
